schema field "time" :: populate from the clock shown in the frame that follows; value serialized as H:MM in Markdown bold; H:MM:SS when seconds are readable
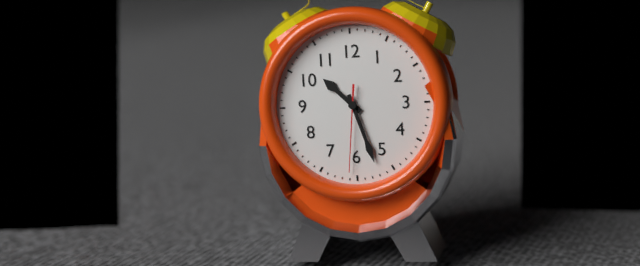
**10:27:31**
